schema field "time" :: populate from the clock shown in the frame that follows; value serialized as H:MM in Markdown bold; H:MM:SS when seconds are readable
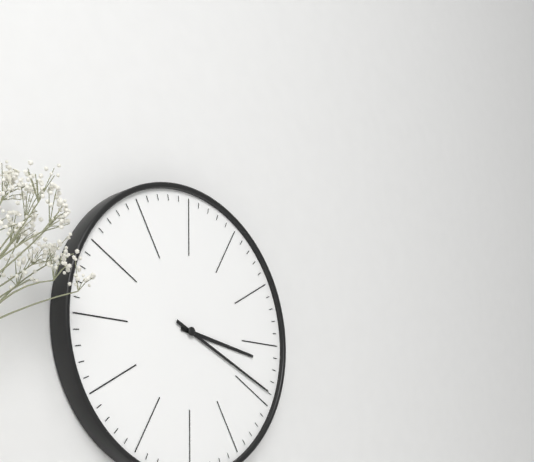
**3:19**
